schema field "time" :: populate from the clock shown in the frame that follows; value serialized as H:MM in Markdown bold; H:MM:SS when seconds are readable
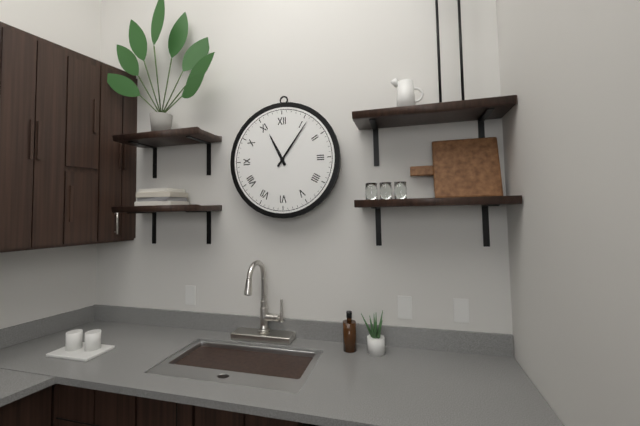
**11:06**
